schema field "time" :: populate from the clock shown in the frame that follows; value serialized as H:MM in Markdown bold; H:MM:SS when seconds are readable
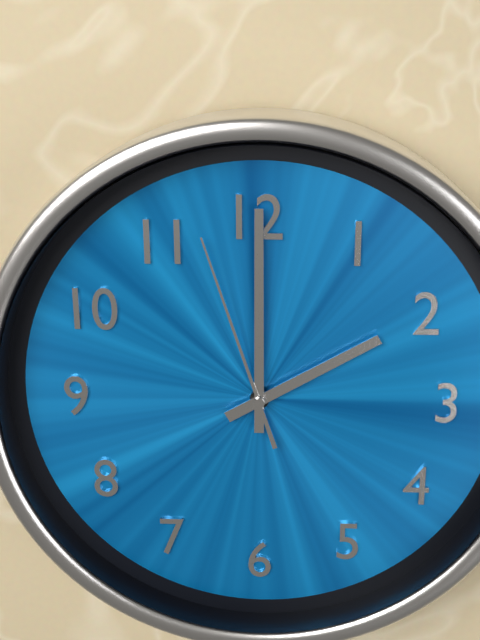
**2:00:57**
